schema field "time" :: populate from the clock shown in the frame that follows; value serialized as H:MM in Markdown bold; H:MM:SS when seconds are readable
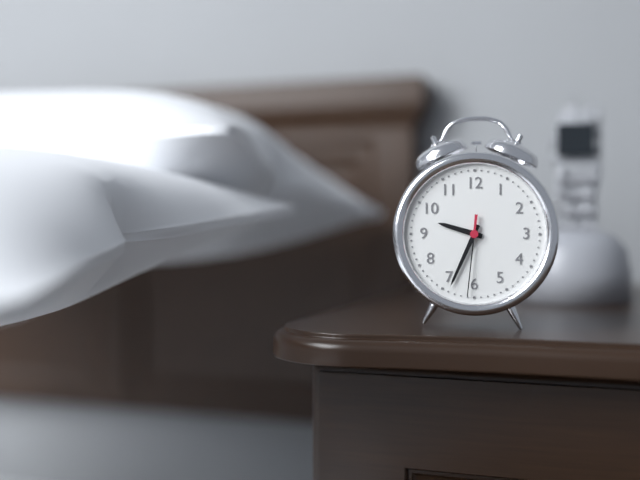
**9:34:31**
